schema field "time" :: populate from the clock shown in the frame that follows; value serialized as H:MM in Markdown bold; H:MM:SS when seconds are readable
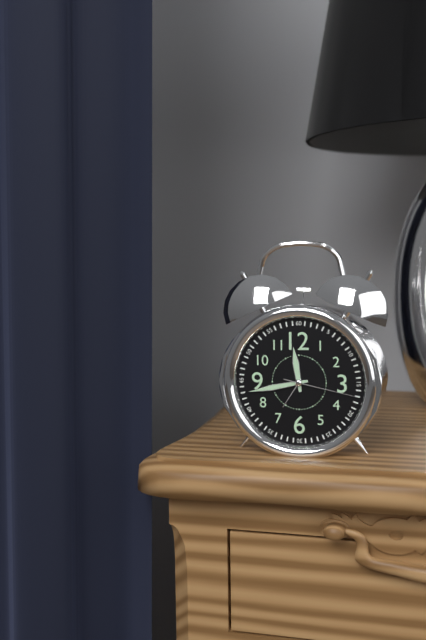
**11:43:17**
